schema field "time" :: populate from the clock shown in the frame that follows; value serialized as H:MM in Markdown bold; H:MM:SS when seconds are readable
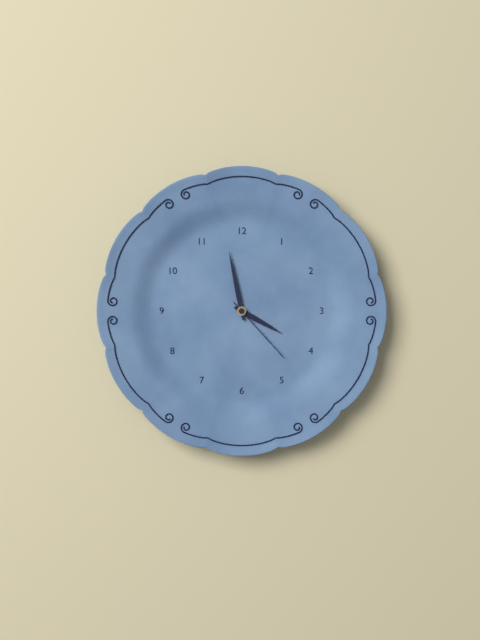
**3:58:23**
